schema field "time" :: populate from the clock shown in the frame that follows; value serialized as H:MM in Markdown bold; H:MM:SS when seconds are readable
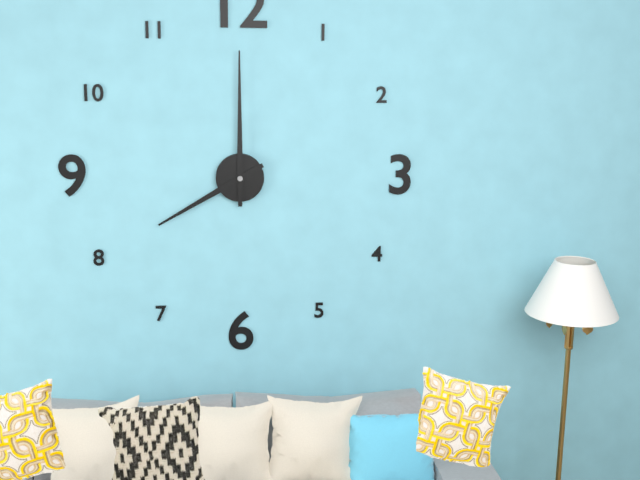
**8:00**
